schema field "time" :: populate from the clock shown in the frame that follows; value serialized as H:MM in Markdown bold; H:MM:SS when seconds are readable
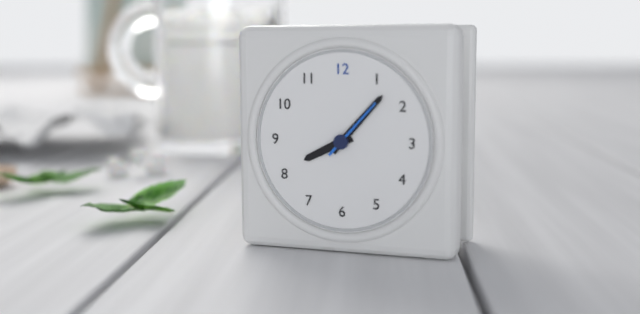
**8:07**
